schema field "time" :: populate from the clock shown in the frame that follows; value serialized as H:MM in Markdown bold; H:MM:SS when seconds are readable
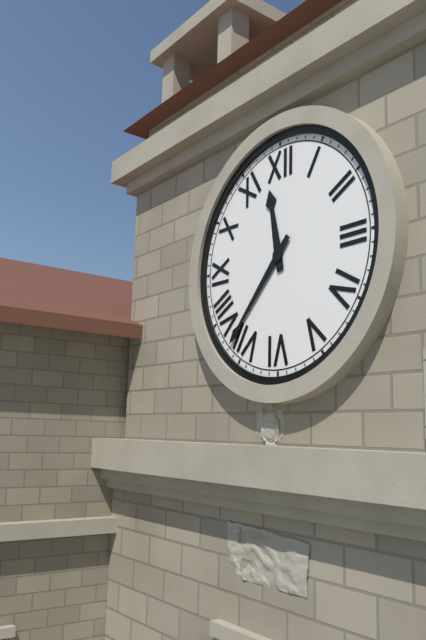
**11:37**
